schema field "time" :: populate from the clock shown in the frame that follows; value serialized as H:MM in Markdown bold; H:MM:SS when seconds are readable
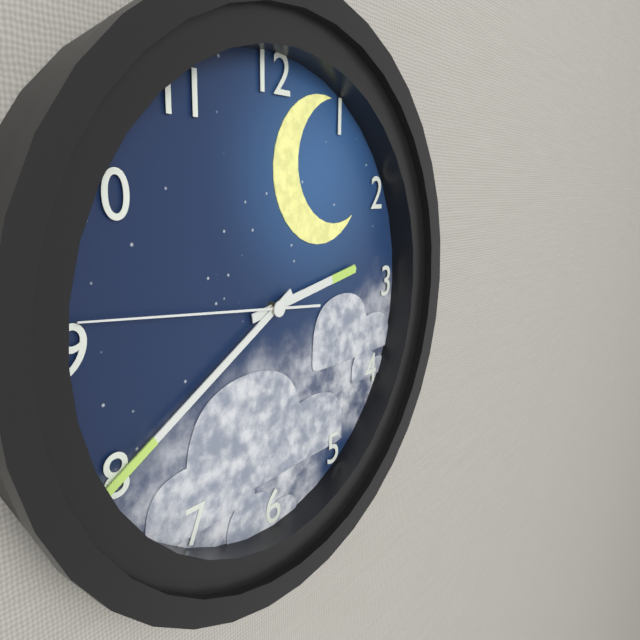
**2:40:46**
